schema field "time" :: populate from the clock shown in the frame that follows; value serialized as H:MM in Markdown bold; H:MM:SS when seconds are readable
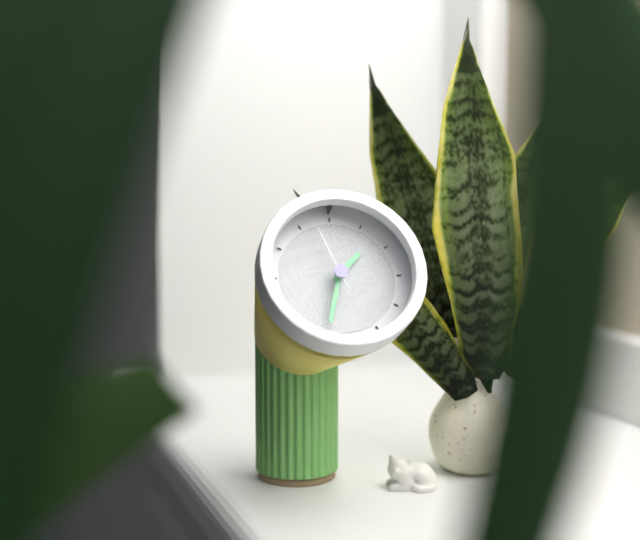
**1:33:57**
